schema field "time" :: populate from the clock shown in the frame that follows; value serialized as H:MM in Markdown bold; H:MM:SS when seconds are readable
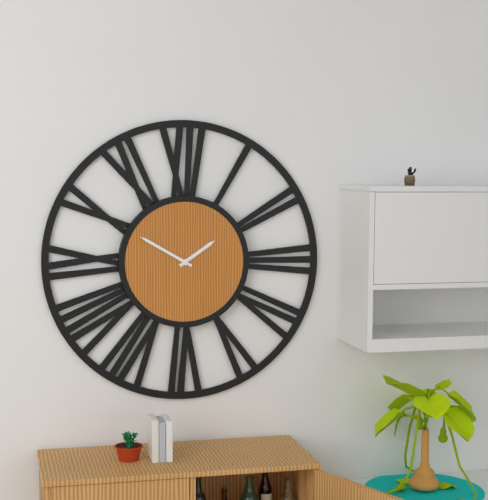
**1:50**
